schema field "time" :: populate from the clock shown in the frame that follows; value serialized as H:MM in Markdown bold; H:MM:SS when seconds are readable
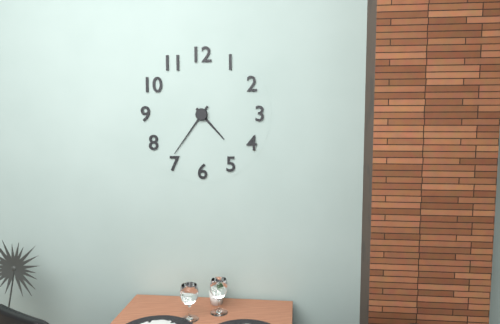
**4:36**
